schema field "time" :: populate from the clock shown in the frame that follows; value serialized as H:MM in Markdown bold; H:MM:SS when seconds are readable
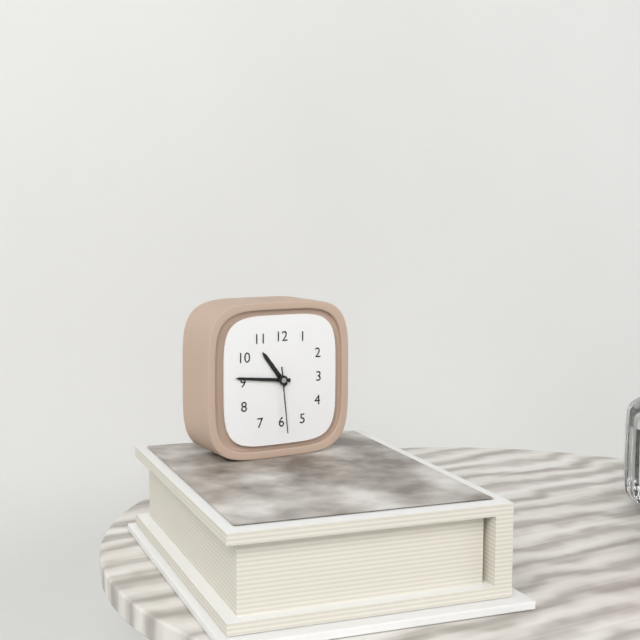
**10:46:29**
